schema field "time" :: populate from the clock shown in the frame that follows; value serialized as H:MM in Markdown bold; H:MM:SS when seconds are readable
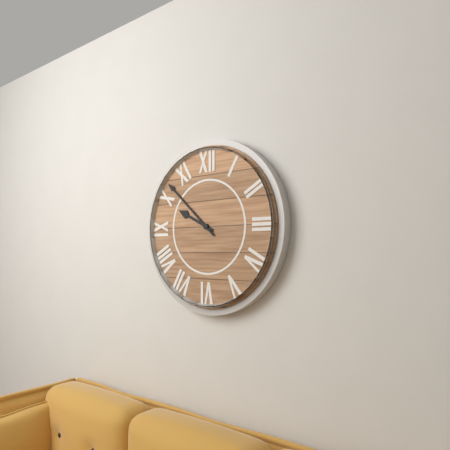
**9:52**
